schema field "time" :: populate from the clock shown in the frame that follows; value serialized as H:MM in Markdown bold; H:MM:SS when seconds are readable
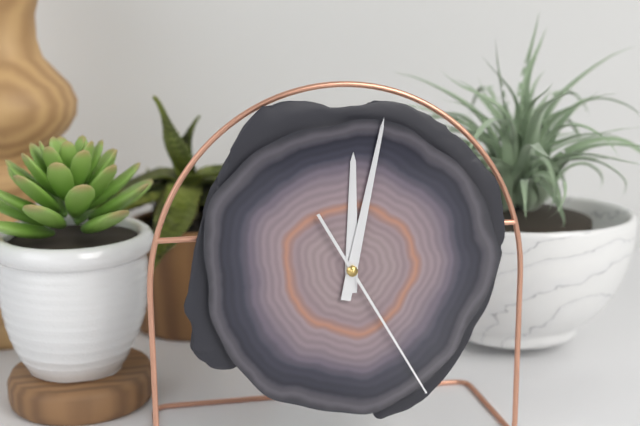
**12:02:25**
